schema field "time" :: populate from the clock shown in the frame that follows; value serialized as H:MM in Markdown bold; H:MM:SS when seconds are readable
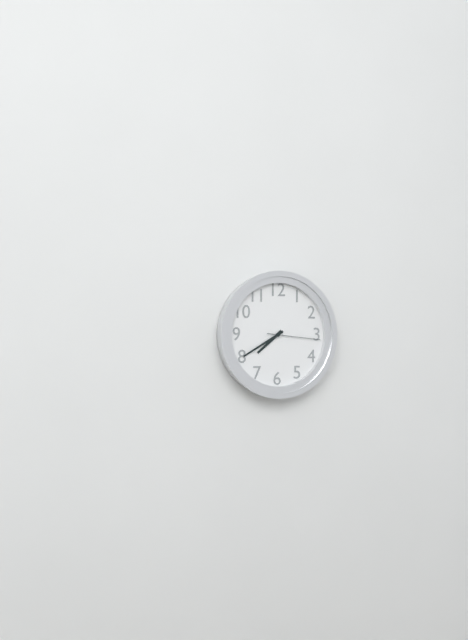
**7:40:16**
